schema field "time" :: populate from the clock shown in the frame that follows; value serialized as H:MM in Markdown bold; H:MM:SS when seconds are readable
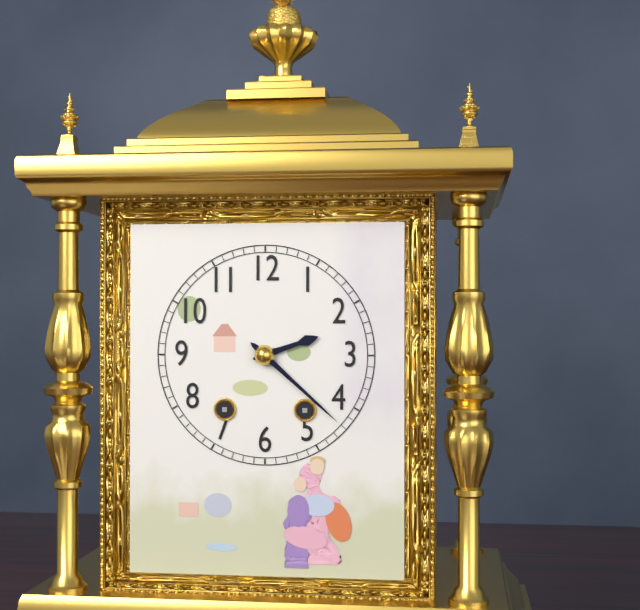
**2:22**
